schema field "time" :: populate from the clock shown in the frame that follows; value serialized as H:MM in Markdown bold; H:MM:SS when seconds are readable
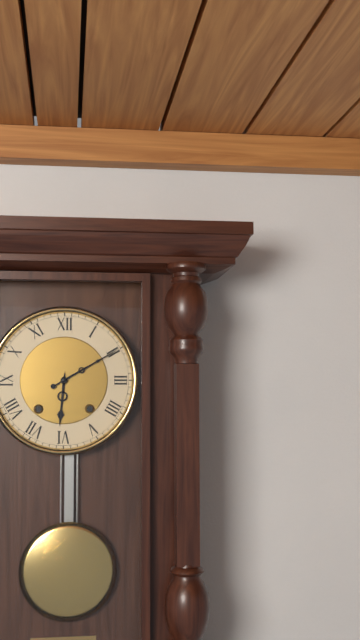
**6:10**
